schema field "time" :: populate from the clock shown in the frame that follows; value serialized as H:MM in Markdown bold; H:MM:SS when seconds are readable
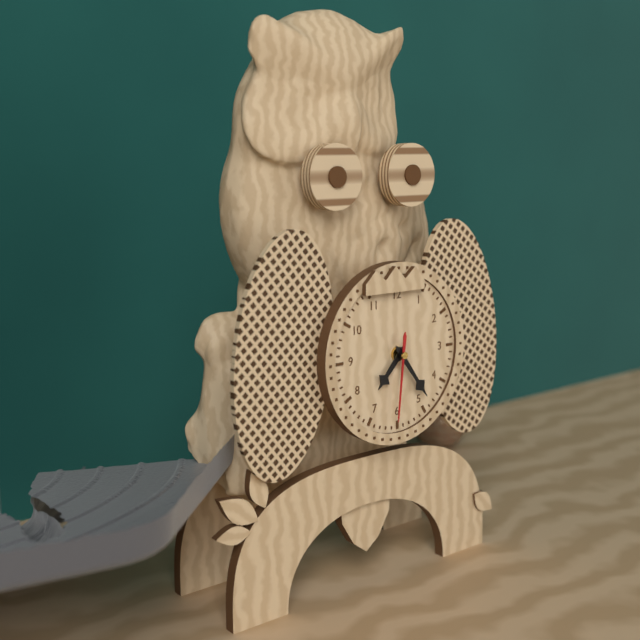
**7:24:31**
